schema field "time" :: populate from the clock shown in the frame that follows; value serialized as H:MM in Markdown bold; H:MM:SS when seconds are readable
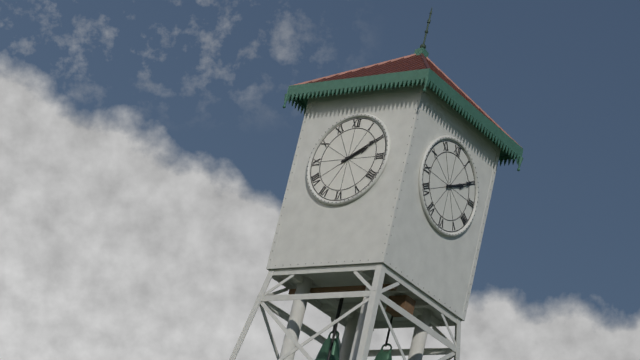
**2:10**
